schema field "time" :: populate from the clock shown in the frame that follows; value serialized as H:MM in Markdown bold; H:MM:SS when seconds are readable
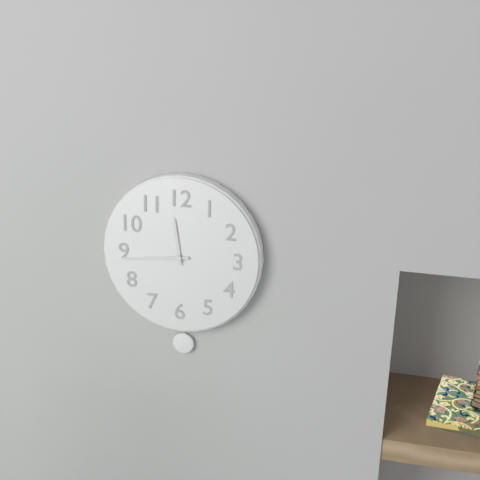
**11:44**
